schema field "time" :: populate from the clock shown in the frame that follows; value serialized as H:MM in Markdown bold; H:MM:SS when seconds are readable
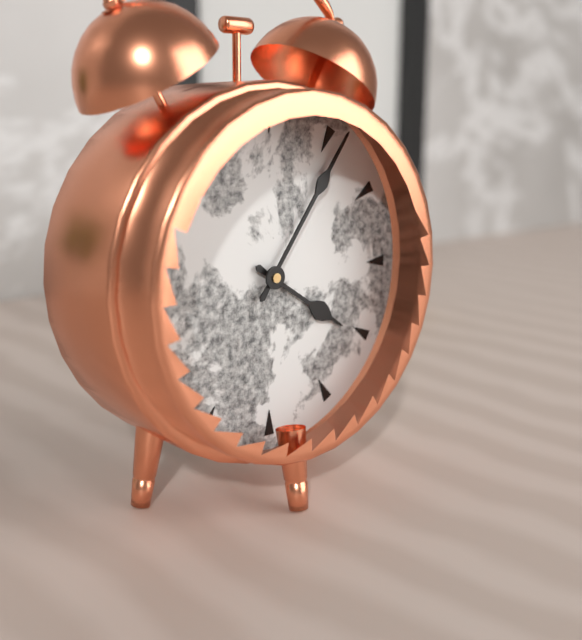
**4:06**
